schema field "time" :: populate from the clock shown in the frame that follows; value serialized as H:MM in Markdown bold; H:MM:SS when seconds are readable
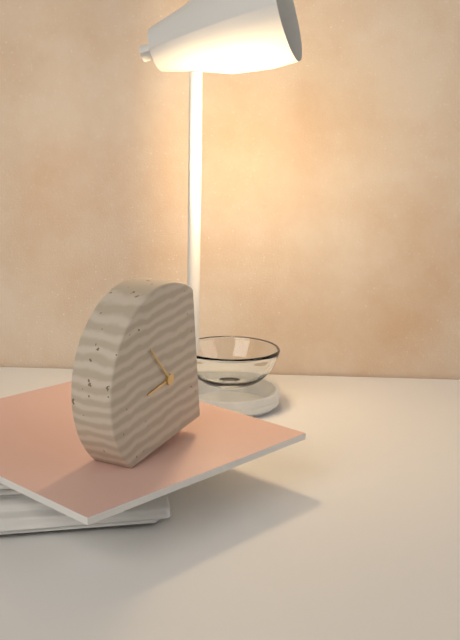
**8:54**
